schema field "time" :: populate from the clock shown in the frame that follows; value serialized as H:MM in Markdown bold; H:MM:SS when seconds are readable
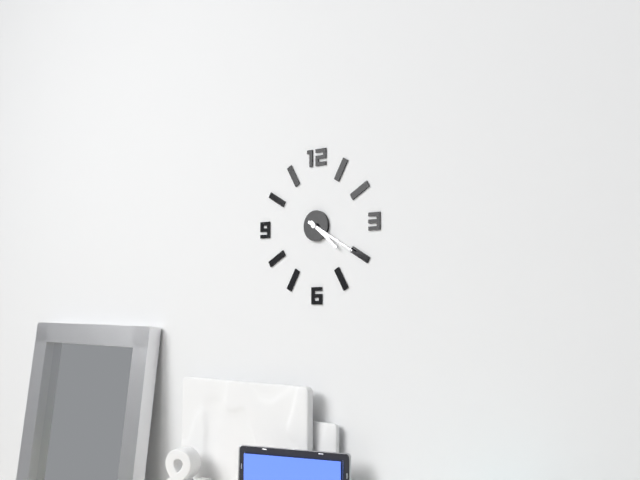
**4:20**
